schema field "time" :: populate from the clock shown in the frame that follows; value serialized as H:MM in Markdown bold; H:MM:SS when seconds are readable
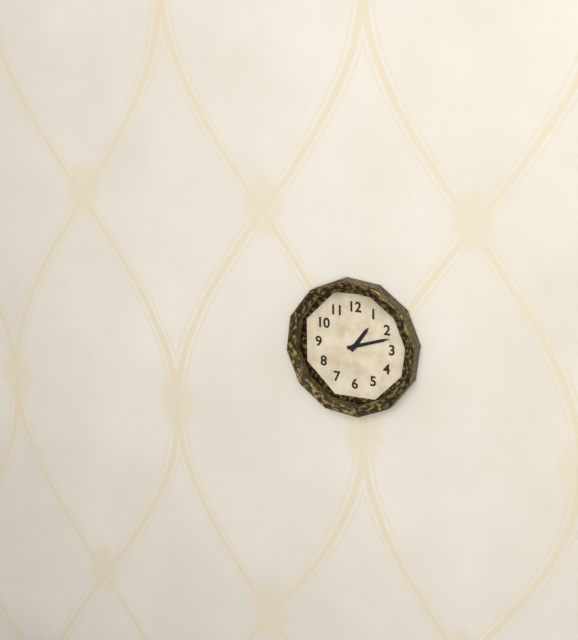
**1:12**
